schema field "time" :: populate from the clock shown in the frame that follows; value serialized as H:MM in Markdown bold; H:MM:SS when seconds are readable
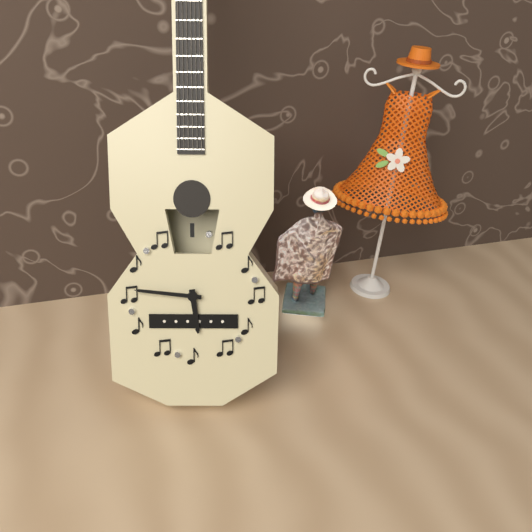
**5:46**
